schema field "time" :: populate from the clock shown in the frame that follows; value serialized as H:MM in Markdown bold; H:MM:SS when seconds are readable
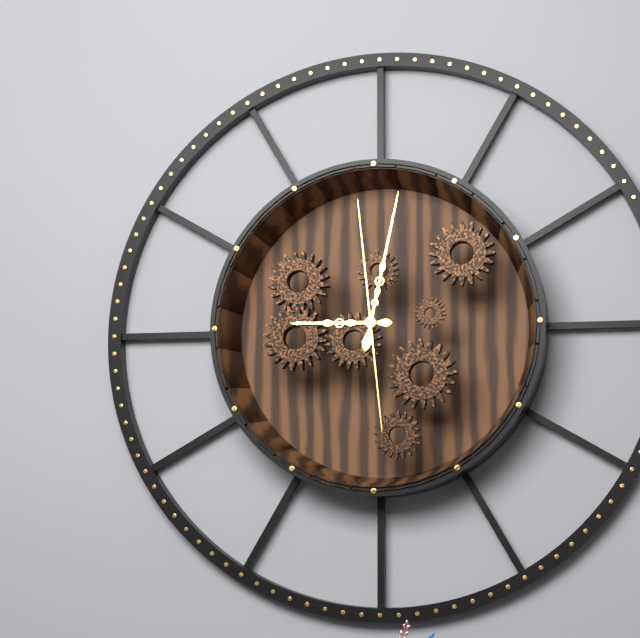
**9:02:59**
